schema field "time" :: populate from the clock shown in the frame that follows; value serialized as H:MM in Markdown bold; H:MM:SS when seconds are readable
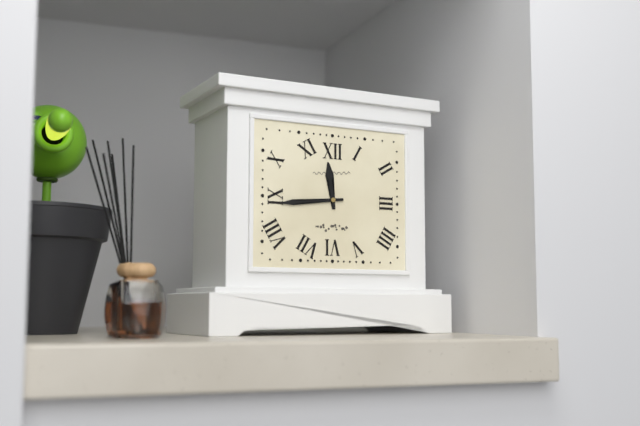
**11:44**
